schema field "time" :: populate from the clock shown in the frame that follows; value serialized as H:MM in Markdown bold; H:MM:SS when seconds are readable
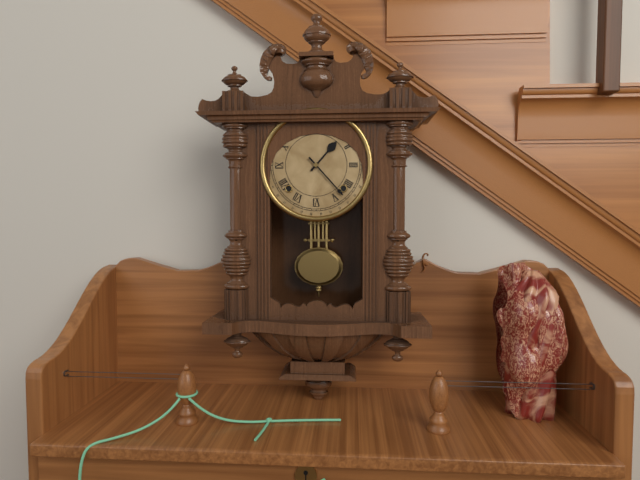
**1:23**
